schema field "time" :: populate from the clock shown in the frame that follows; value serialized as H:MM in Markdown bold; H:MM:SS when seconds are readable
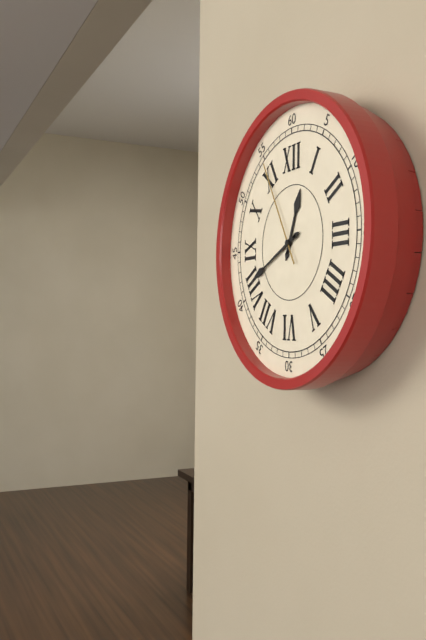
**12:41:55**
